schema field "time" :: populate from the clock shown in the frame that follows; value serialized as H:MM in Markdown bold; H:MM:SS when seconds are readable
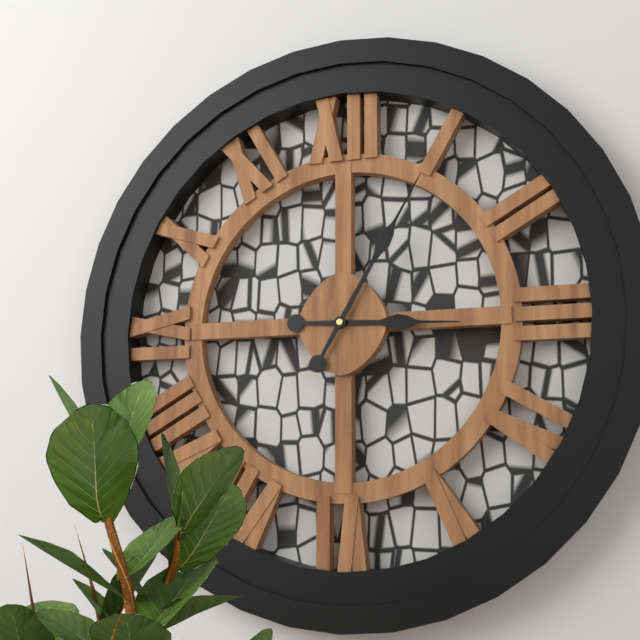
**3:05**
